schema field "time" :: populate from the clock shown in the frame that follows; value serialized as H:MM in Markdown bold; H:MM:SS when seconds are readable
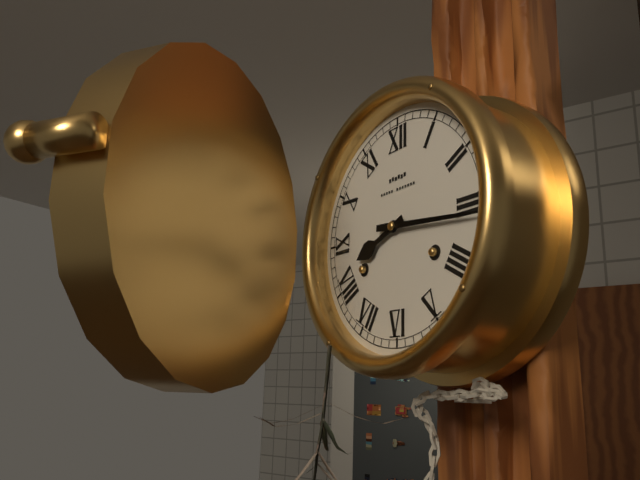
**8:16**
